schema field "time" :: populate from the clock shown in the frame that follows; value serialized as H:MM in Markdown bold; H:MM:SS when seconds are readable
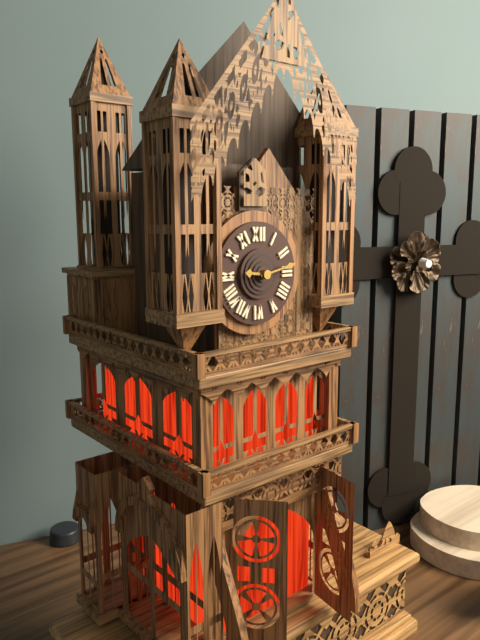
**9:13**
